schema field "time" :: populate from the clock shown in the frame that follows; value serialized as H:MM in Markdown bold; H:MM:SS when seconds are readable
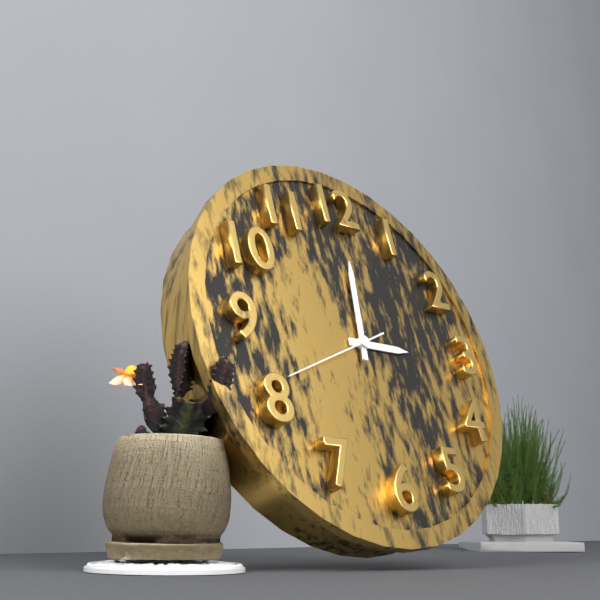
**3:01:41**
